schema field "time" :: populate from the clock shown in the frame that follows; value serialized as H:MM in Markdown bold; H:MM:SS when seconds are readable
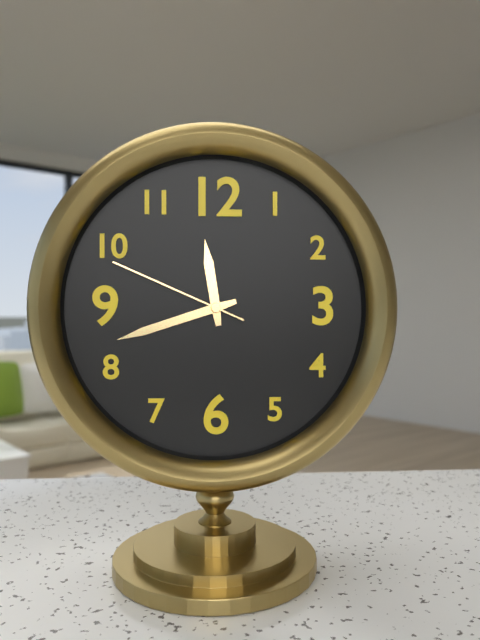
**11:42:49**
